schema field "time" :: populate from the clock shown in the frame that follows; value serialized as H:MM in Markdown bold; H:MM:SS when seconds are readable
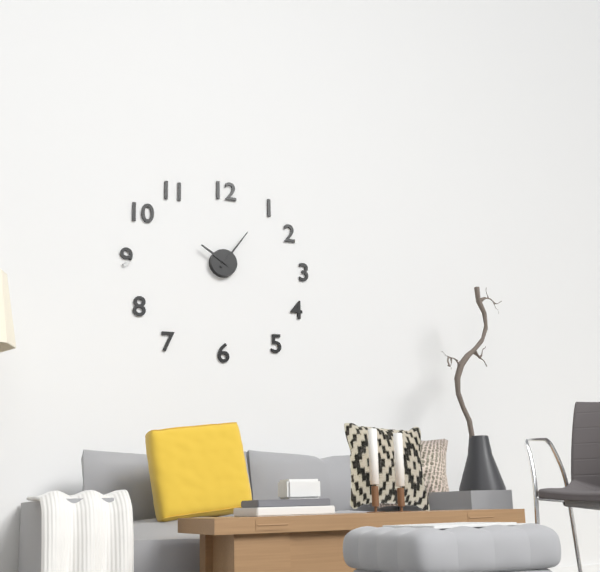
**10:06**
